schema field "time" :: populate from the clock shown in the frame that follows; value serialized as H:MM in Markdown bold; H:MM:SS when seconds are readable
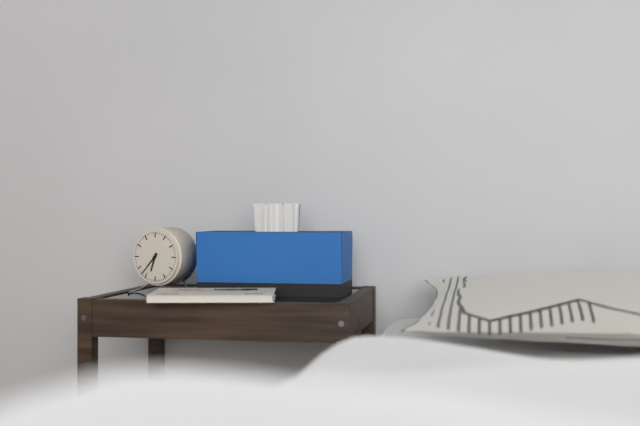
**6:37**
